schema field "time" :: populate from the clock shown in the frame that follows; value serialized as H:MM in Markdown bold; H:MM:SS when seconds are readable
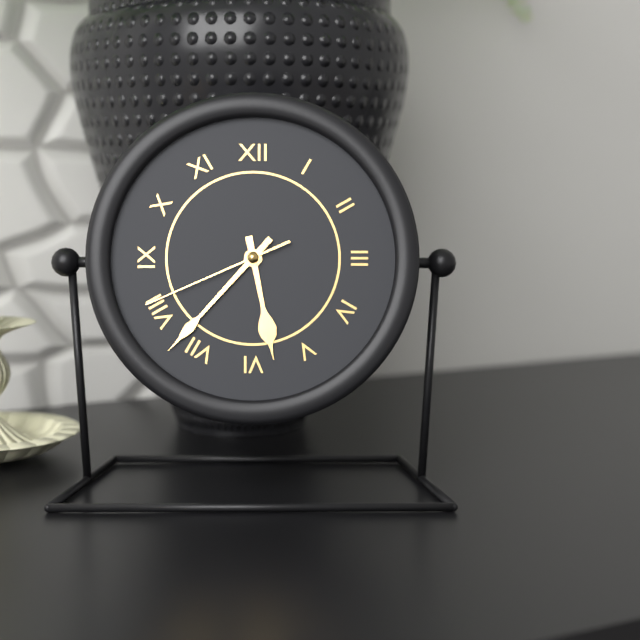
**5:37:41**
